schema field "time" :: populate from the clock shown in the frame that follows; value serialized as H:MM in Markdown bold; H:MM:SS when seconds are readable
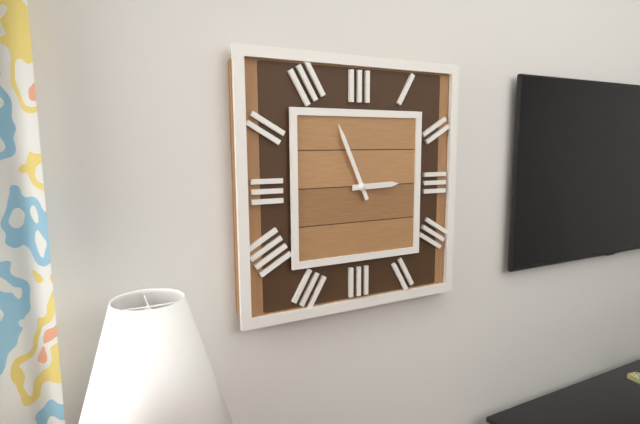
**2:56**
